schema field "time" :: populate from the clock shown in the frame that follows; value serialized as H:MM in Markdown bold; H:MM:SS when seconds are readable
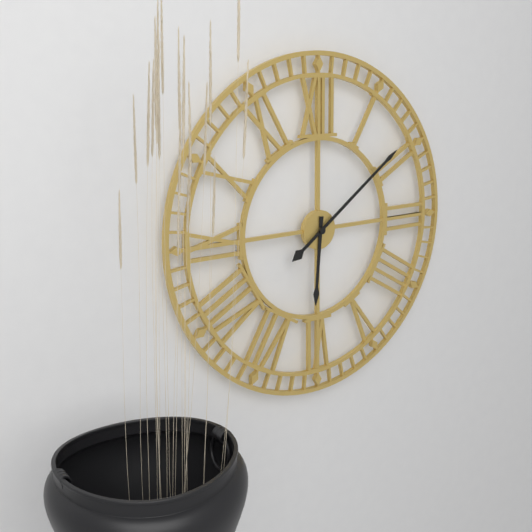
**6:09**
